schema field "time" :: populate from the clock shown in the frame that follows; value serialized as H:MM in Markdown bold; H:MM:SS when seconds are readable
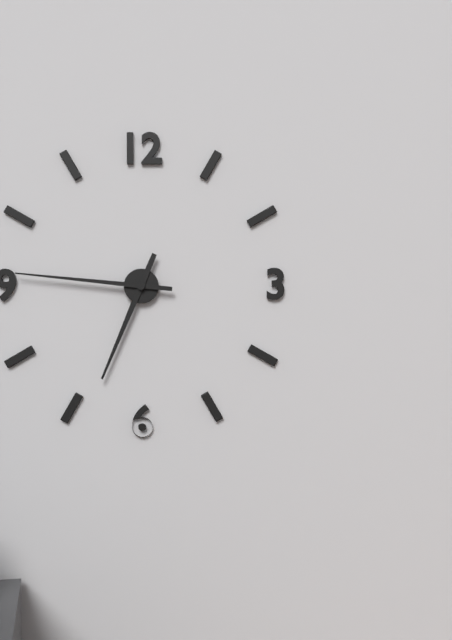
**6:46**
